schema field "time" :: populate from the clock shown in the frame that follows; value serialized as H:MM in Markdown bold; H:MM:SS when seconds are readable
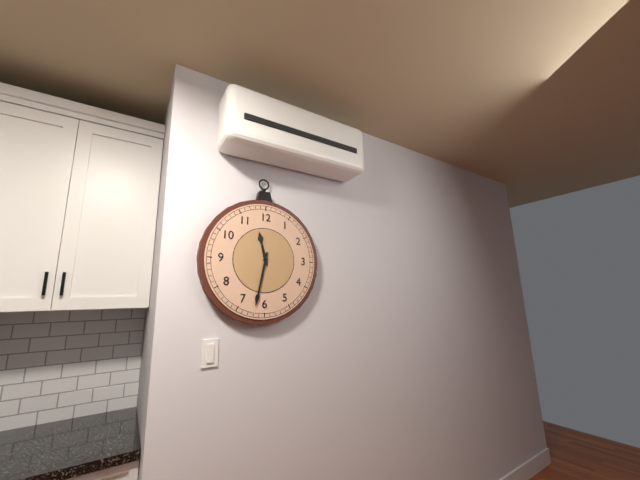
**11:32**
